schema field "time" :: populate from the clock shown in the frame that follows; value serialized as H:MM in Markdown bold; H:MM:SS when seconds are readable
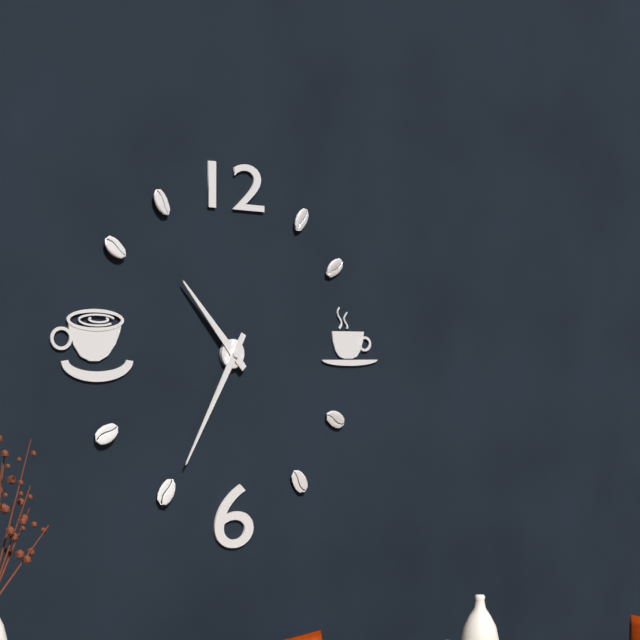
**10:35**
